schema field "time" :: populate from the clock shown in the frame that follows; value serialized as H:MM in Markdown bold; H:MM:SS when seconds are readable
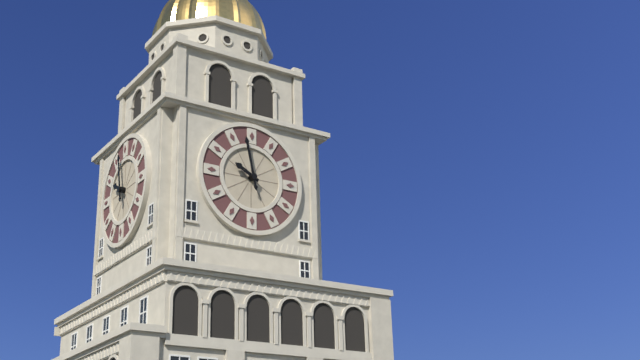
**9:58**
